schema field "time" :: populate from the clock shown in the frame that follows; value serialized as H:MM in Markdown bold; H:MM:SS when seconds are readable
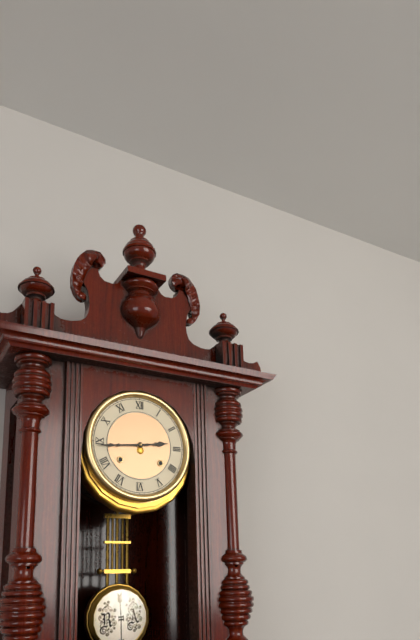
**2:44**
